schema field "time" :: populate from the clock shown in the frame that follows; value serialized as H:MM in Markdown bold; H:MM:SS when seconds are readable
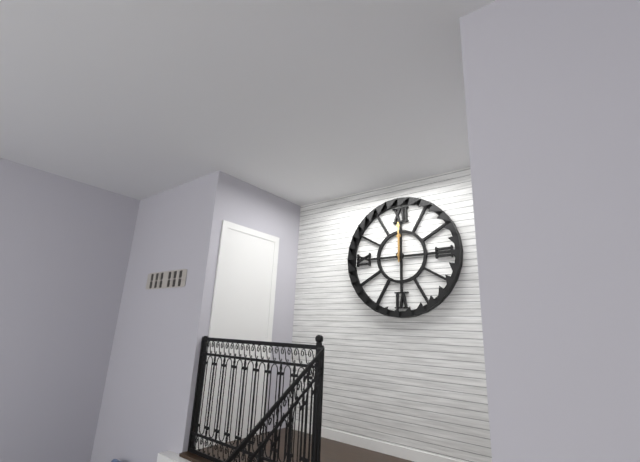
**12:00**
